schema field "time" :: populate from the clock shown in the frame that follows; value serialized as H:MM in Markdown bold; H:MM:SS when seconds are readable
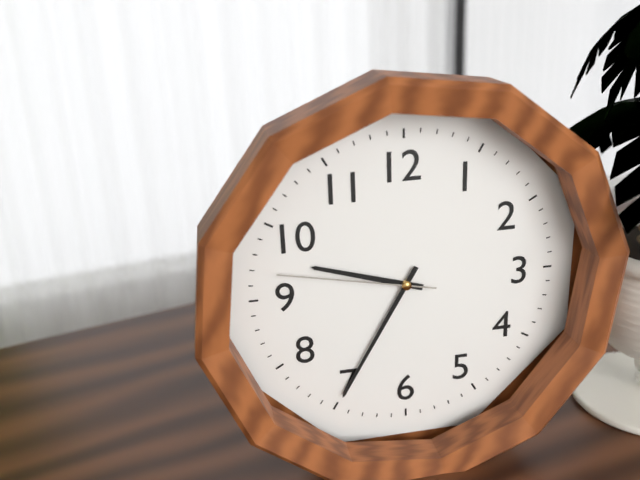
**9:35:47**
